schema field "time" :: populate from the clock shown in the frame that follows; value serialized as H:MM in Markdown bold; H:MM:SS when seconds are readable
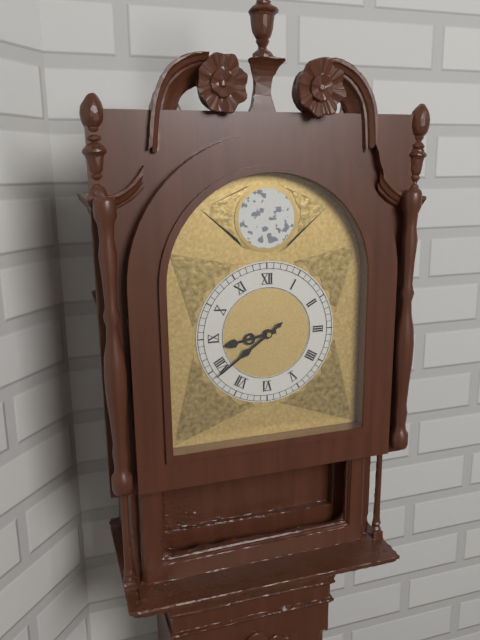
**8:39**
